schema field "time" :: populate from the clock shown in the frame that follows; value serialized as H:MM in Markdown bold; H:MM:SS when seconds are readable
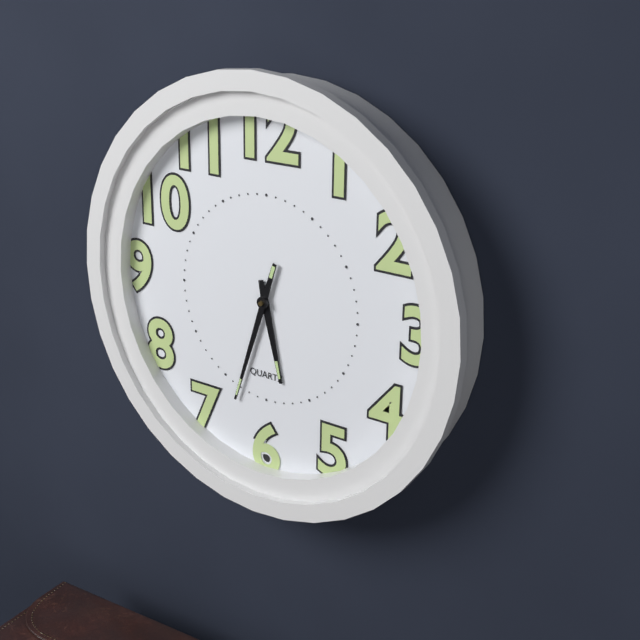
**5:33**
